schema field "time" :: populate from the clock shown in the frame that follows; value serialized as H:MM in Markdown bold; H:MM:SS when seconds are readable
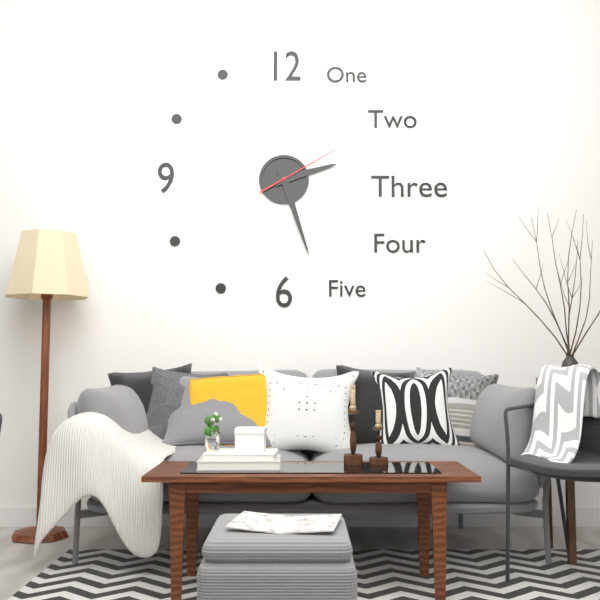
**2:27:10**
